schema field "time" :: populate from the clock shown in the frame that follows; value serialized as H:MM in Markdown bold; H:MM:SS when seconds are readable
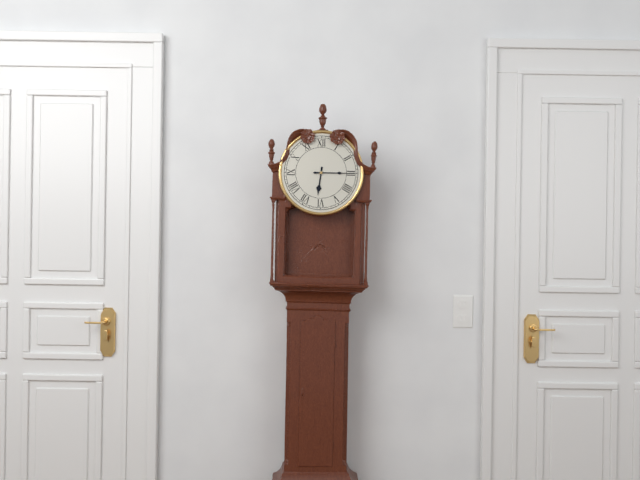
**6:15**
